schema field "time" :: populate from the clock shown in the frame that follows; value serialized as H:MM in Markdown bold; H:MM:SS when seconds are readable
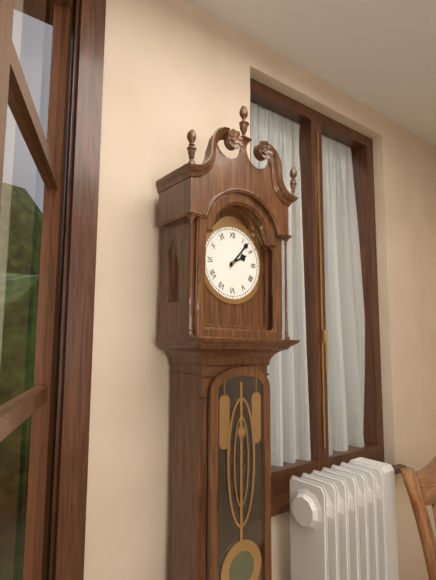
**2:07**
